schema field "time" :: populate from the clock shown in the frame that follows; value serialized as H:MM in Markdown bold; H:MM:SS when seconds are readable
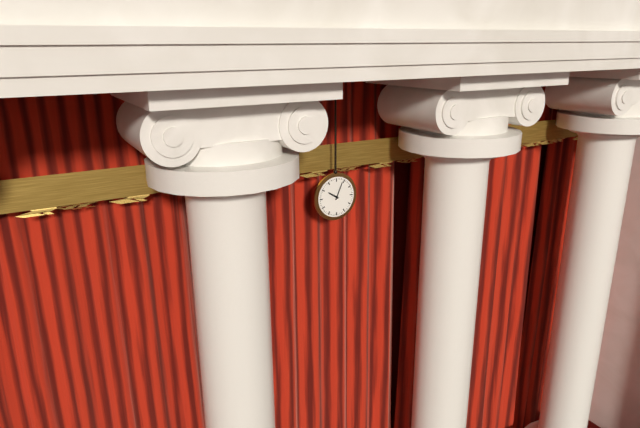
**10:04**
